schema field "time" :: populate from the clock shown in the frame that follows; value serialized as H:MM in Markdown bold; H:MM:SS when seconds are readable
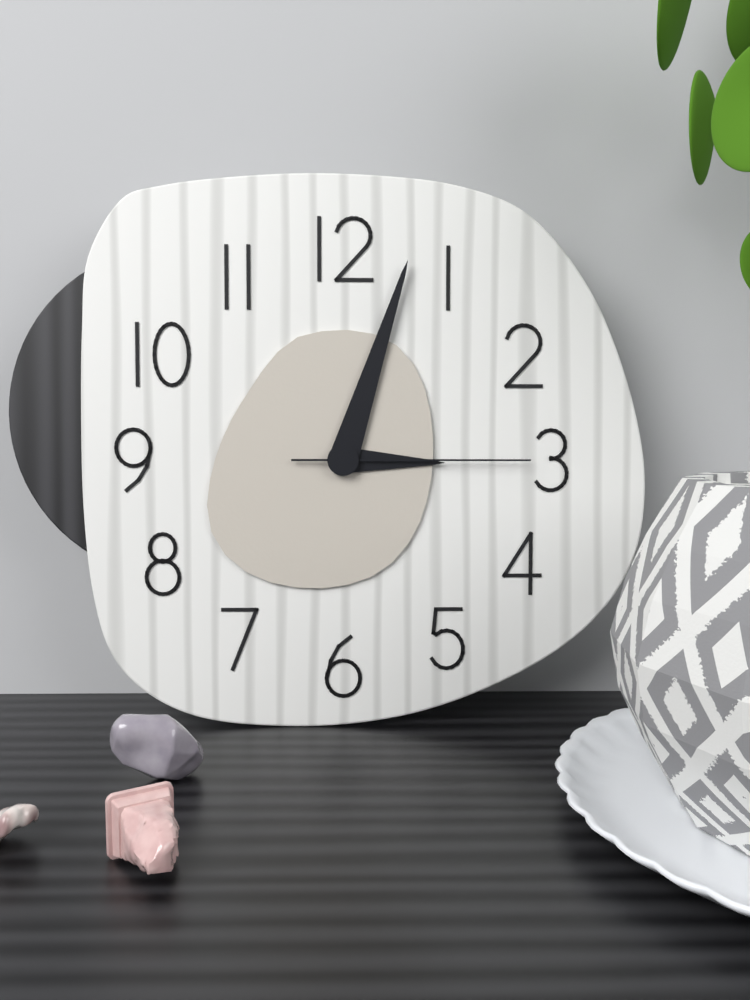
**3:03:15**
